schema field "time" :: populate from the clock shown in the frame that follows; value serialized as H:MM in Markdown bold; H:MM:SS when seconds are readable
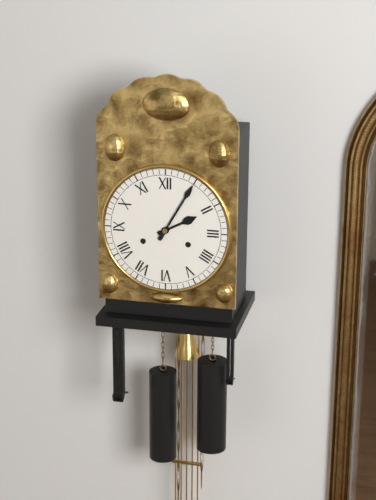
**2:05**
